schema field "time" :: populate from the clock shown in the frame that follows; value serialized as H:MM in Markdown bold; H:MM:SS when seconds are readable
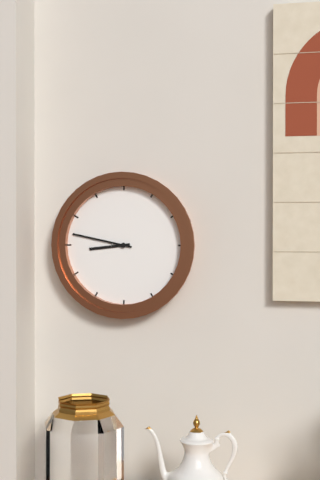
**8:47**
